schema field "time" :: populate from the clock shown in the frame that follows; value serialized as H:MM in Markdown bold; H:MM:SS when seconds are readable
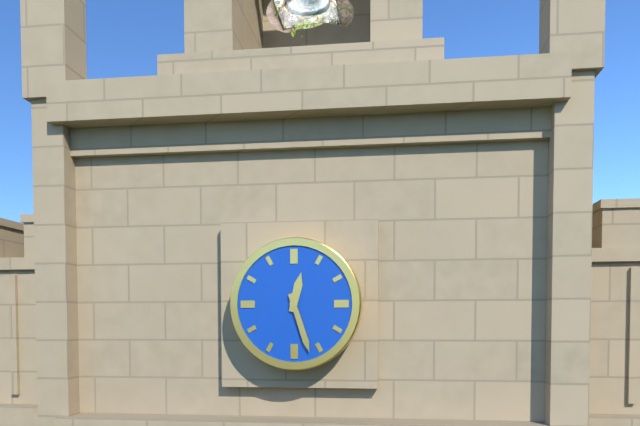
**12:27**
